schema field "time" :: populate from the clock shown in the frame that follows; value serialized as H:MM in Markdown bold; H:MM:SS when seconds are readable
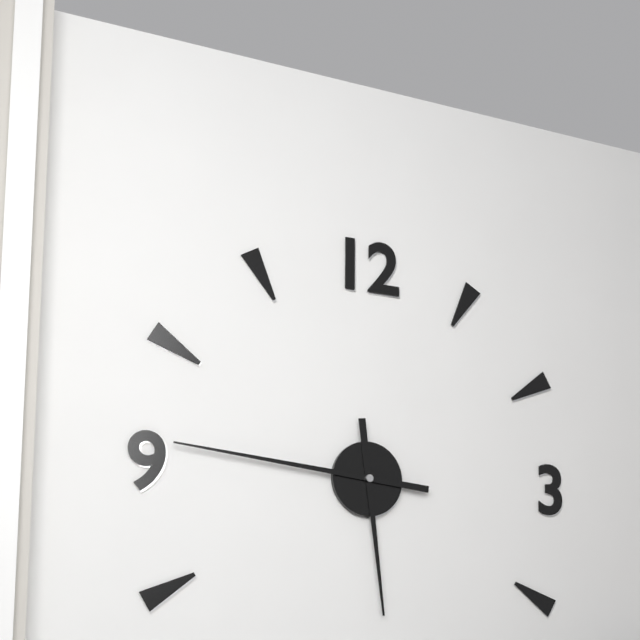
**5:46**
